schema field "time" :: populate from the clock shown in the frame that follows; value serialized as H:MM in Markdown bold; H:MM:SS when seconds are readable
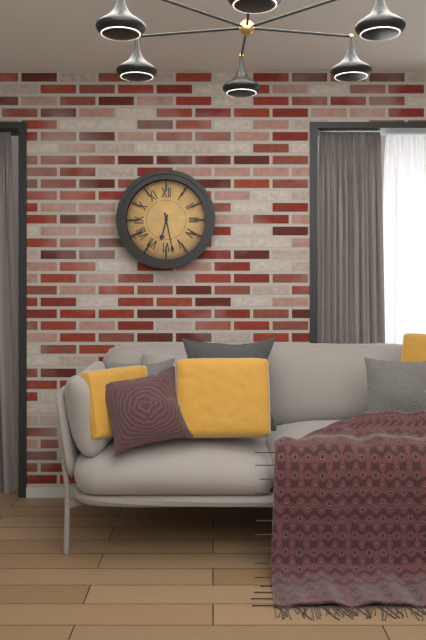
**6:28**
